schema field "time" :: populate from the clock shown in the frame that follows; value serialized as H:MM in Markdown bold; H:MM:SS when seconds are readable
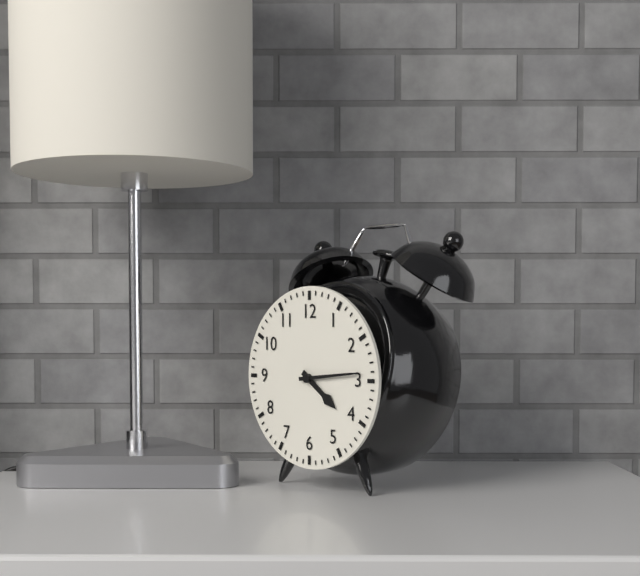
**4:14**
